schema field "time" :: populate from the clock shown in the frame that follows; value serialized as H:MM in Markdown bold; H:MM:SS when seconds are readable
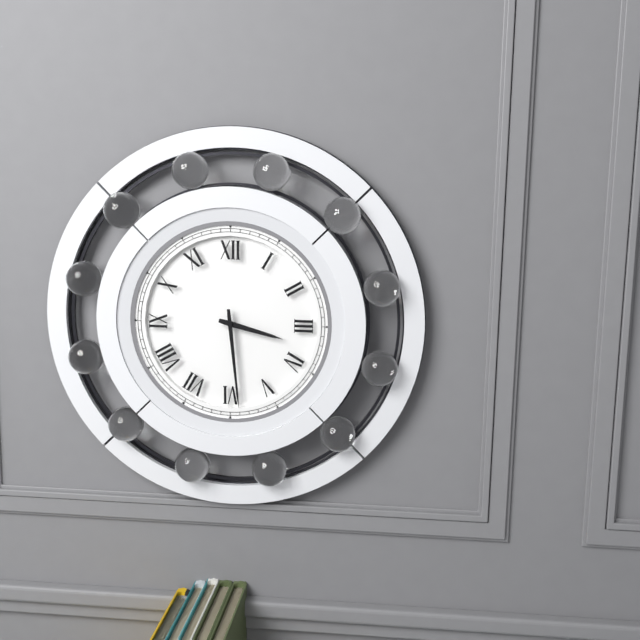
**3:29**
